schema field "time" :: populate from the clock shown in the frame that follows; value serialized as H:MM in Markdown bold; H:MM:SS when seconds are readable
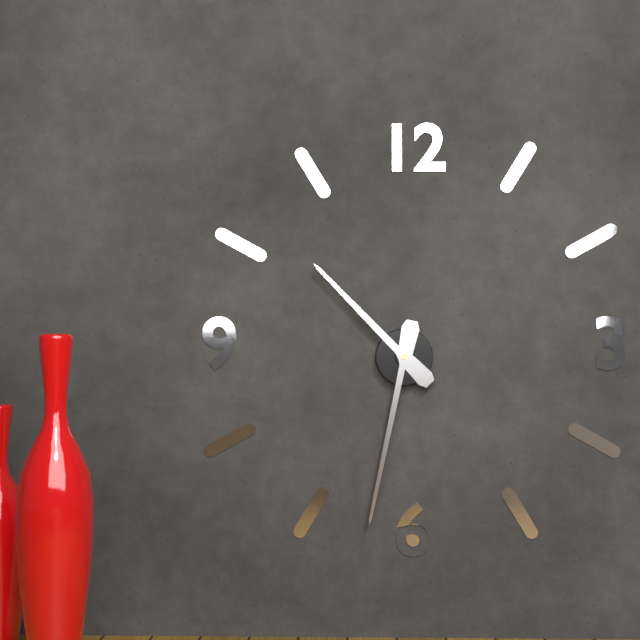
**10:32**
